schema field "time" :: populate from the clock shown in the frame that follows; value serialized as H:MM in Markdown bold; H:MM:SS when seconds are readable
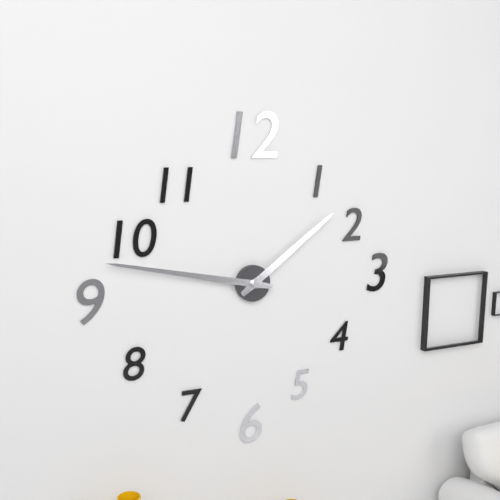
**1:47**
